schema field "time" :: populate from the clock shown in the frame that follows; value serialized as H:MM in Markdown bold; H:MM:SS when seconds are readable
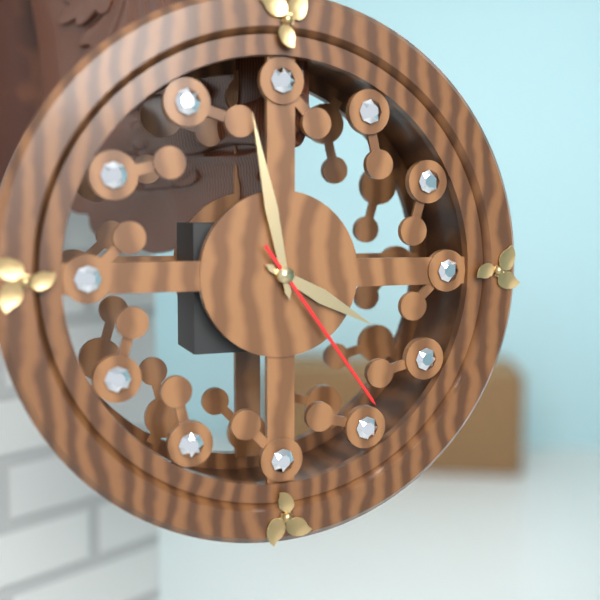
**3:58:24**
